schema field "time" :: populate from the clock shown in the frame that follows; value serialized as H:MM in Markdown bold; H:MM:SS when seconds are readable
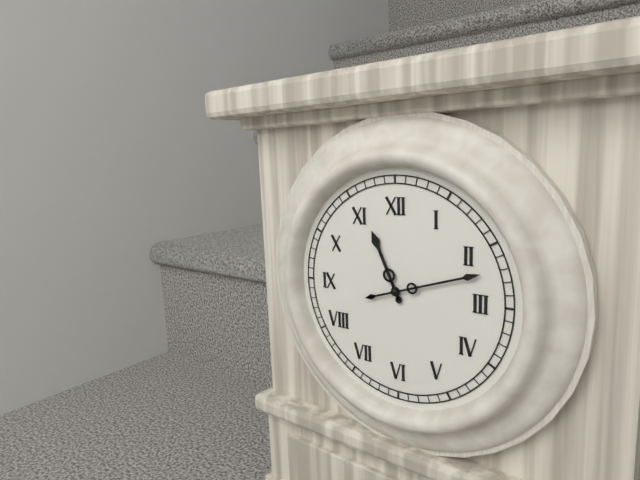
**11:12**
